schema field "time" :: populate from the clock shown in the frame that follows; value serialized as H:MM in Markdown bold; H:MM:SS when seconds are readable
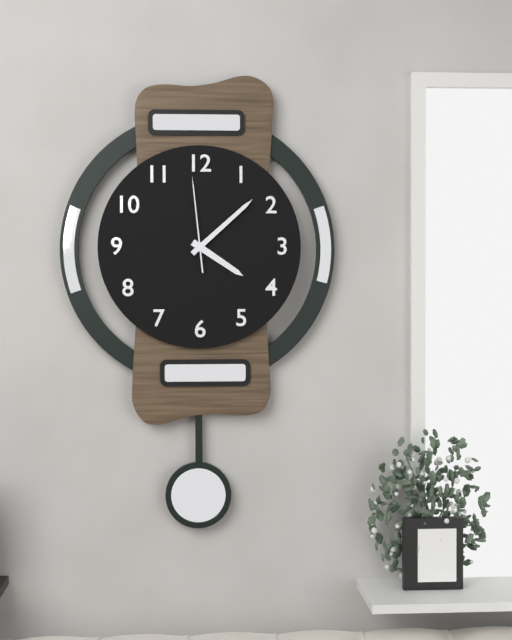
**4:08:59**
